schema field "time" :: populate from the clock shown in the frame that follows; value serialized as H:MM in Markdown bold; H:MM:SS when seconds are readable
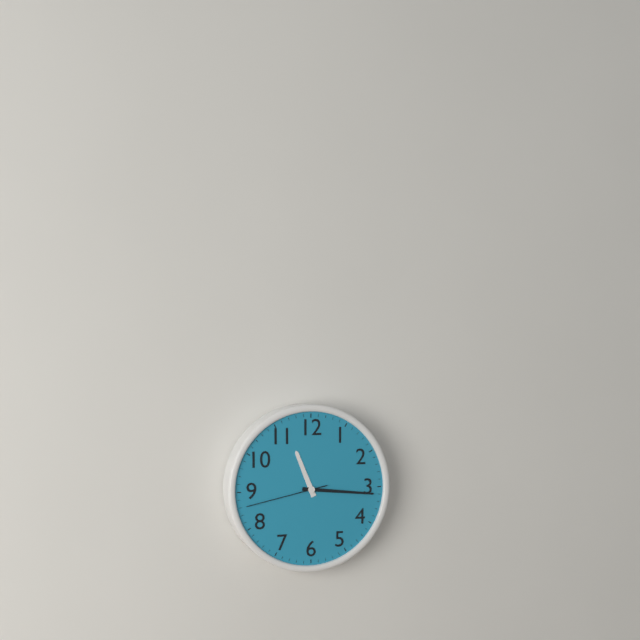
**11:16:43**
